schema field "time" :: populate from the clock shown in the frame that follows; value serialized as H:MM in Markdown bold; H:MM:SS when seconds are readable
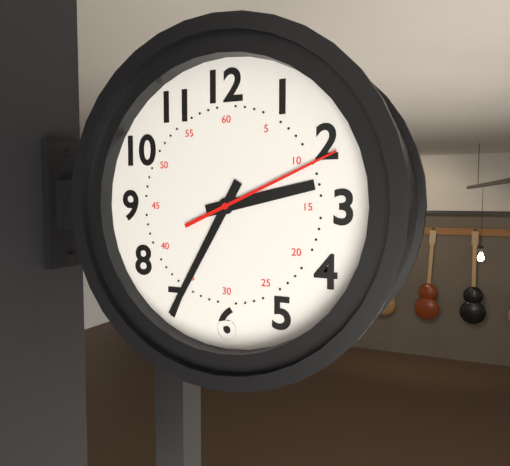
**2:35:11**
